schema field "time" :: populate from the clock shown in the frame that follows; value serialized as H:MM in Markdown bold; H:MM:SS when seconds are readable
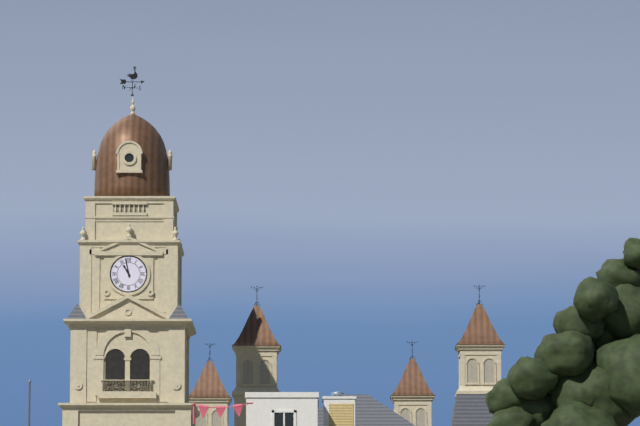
**10:58**
